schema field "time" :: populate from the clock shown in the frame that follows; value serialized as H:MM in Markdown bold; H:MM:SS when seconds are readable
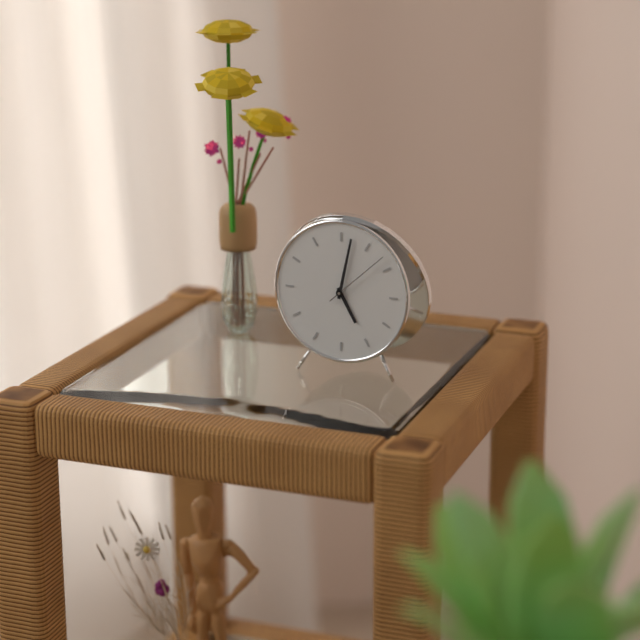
**5:02:08**
